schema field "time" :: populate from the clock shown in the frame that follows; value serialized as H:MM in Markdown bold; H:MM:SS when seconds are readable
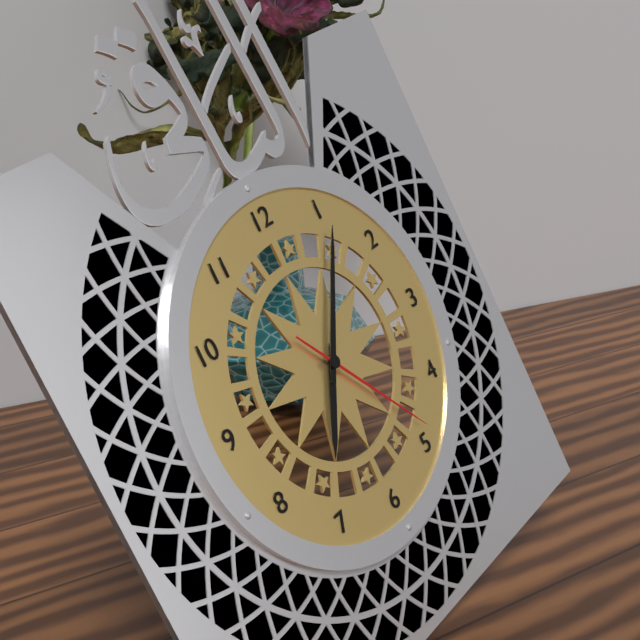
**7:06:24**
